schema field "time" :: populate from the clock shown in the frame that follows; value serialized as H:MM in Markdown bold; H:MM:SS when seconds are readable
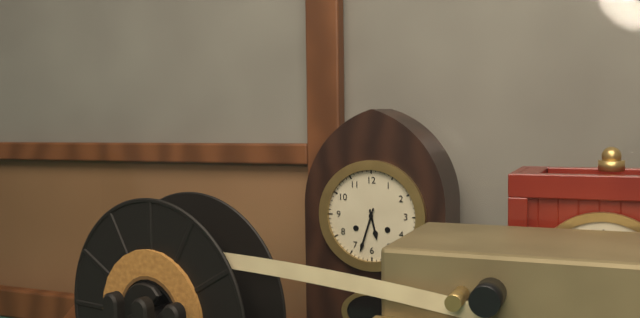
**5:33**
